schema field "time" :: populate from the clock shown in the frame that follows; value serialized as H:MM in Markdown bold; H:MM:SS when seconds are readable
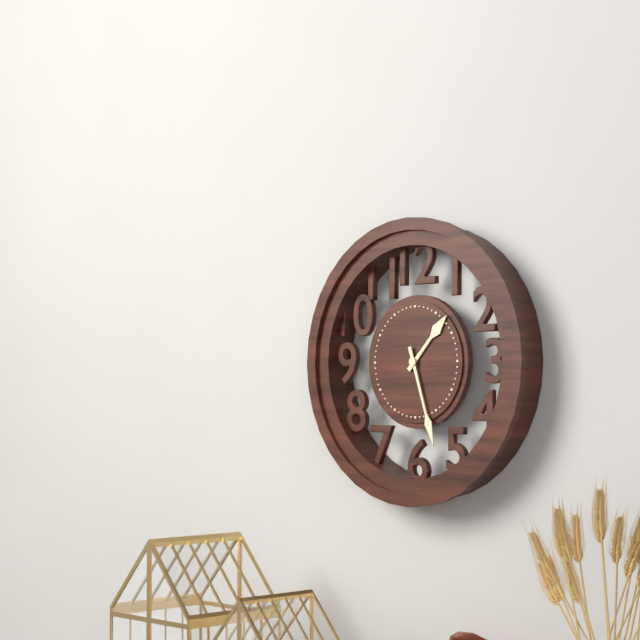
**1:27**
